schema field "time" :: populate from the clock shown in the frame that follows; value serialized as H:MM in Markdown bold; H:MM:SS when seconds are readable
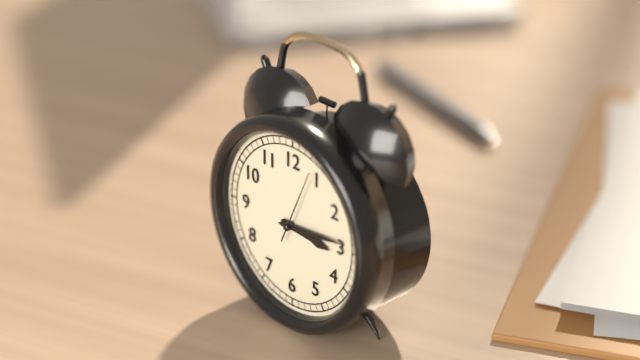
**3:14:04**
